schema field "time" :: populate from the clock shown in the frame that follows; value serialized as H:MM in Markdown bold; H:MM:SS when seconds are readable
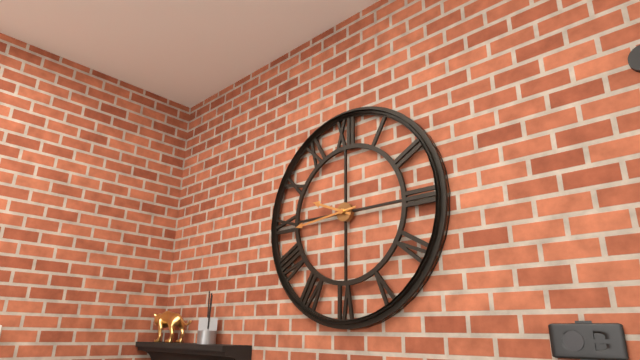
**9:44**
